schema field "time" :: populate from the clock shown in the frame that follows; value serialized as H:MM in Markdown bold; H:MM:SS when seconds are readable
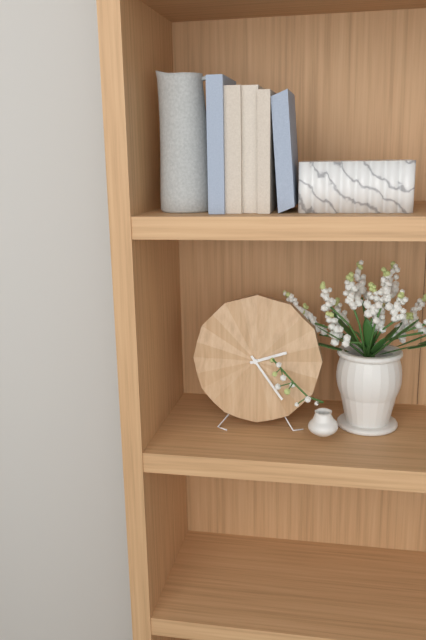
**2:24**
